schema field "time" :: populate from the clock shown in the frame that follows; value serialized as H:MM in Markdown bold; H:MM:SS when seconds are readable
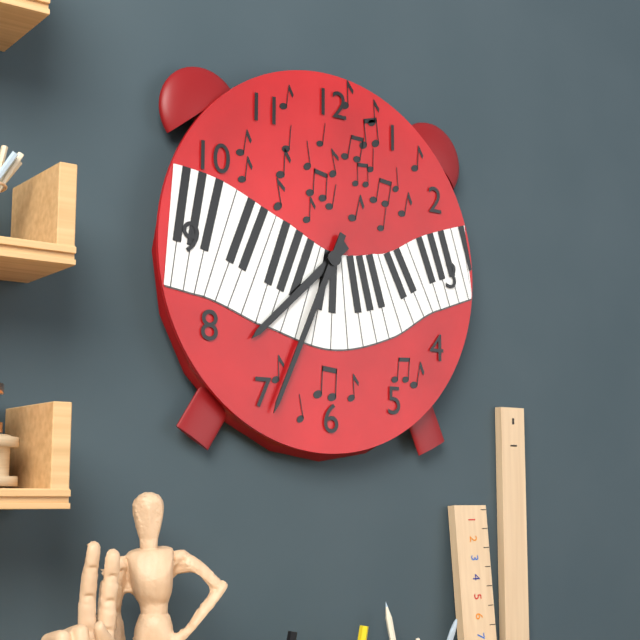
**7:34**
